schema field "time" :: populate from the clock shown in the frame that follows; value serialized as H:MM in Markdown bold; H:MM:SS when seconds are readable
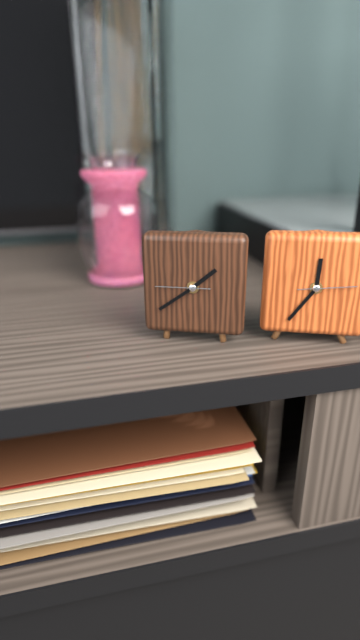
**1:39**
